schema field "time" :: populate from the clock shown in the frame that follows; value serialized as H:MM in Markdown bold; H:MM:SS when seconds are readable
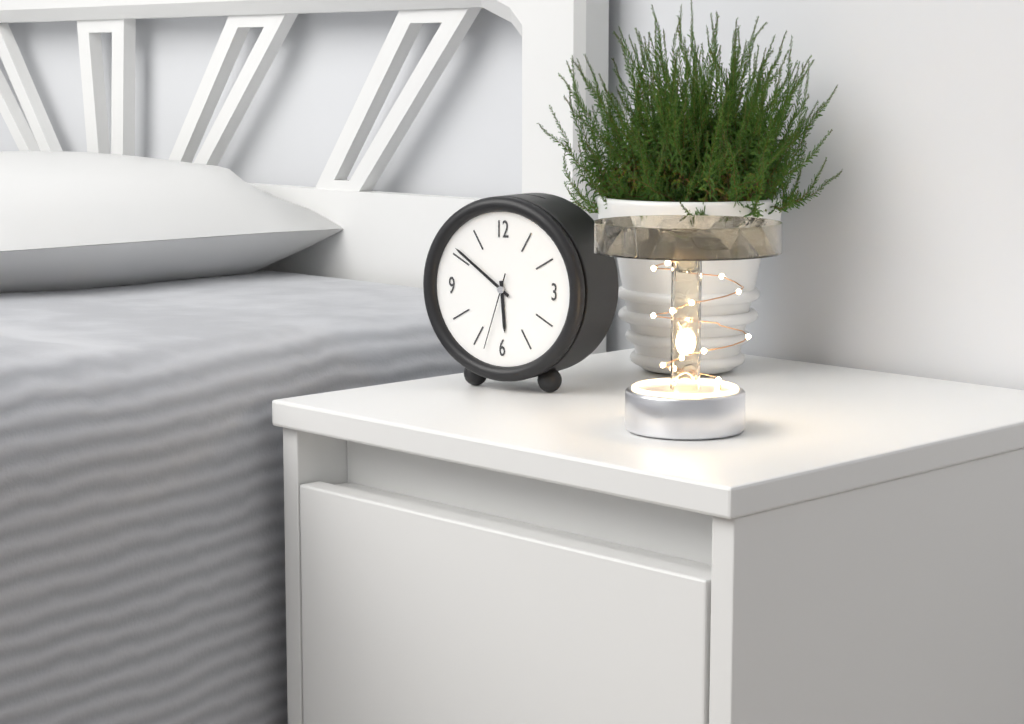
**5:51:33**
